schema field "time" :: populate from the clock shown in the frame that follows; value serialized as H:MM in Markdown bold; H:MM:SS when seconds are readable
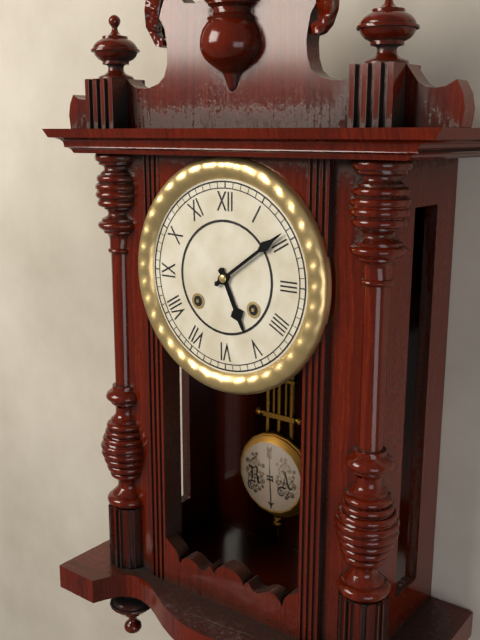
**5:09**
